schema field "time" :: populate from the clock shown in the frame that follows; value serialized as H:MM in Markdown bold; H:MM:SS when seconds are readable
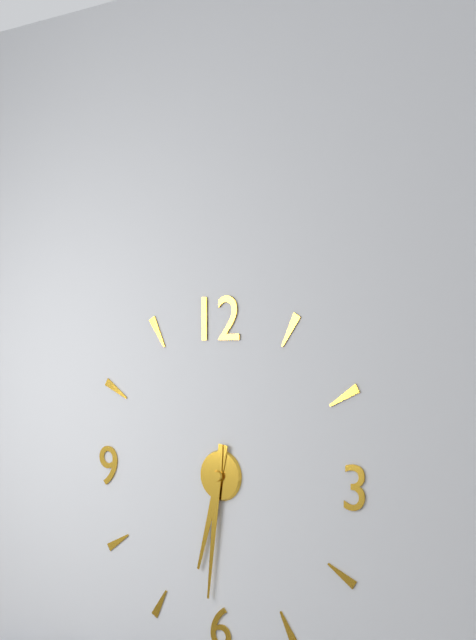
**6:31**
